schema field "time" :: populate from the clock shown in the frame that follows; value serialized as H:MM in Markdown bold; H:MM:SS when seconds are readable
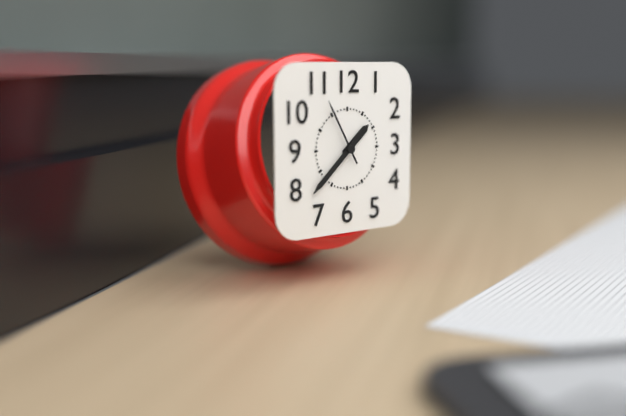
**1:38:55**
